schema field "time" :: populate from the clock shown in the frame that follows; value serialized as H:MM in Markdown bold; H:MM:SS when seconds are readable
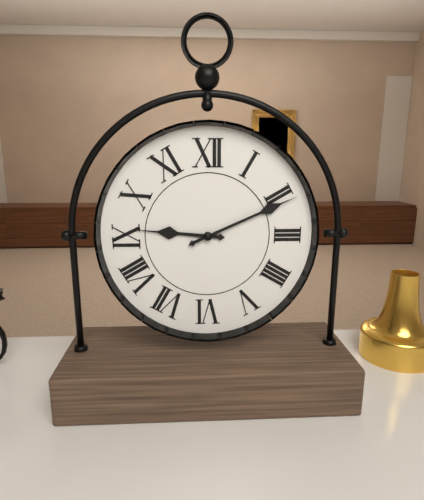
**9:11**
